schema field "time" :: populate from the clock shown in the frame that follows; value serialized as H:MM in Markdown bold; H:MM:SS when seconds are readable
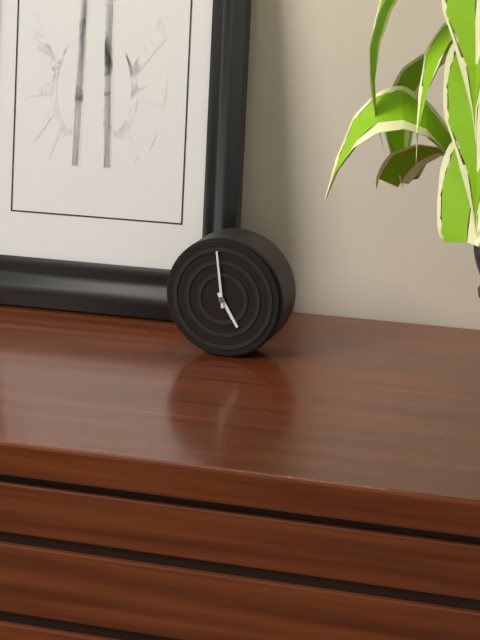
**4:59**
